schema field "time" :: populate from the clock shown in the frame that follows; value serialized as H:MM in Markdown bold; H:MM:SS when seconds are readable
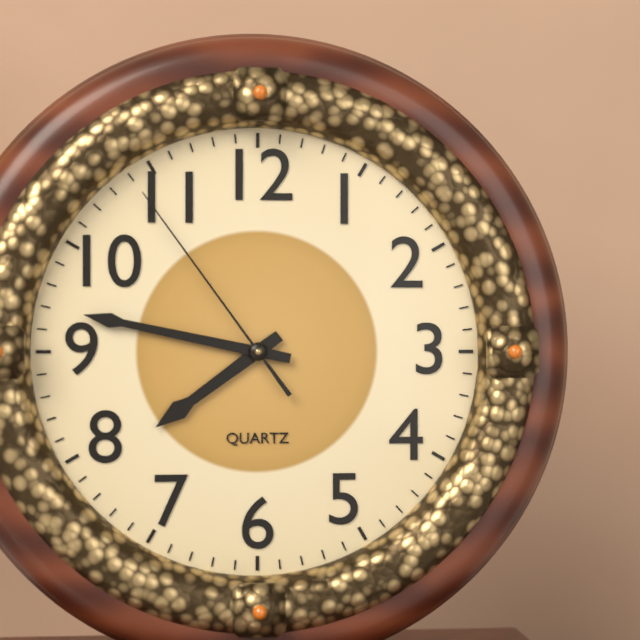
**7:47:54**
